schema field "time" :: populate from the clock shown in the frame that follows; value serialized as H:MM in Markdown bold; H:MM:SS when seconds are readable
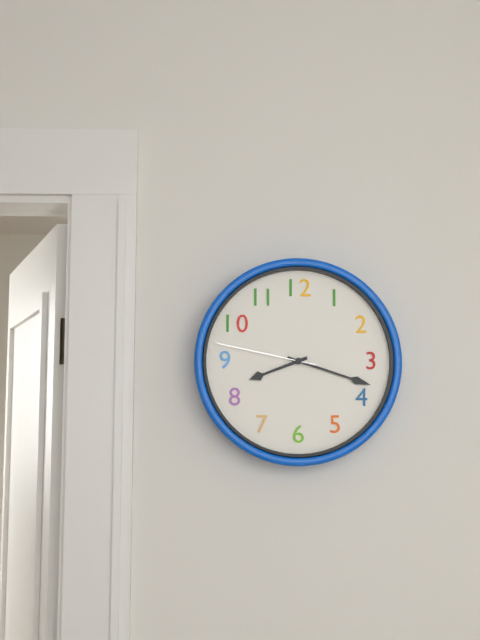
**8:18:47**
